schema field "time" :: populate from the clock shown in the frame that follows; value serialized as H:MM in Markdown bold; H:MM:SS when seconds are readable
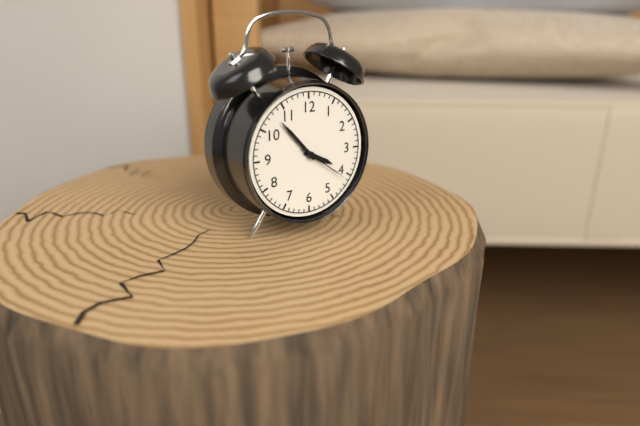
**3:53:21**
